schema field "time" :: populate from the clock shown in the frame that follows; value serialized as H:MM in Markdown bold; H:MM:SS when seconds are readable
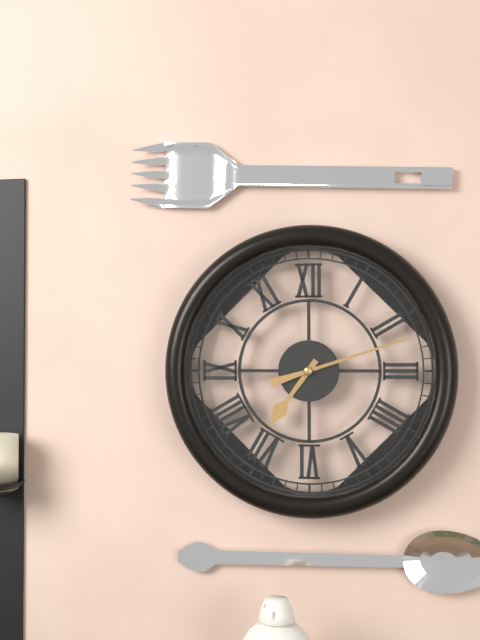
**7:12**
